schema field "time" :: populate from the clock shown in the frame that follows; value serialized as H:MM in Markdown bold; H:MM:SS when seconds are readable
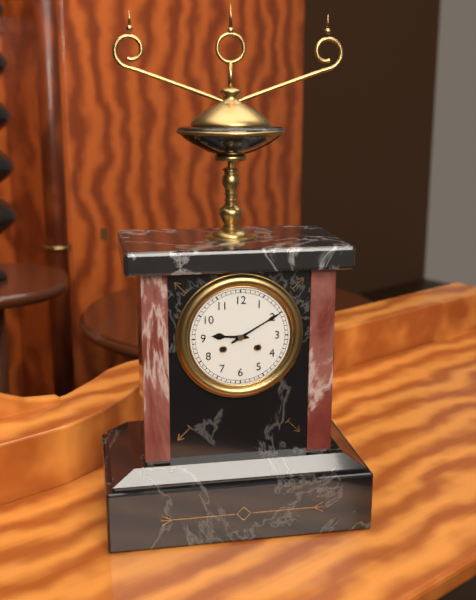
**9:10**
